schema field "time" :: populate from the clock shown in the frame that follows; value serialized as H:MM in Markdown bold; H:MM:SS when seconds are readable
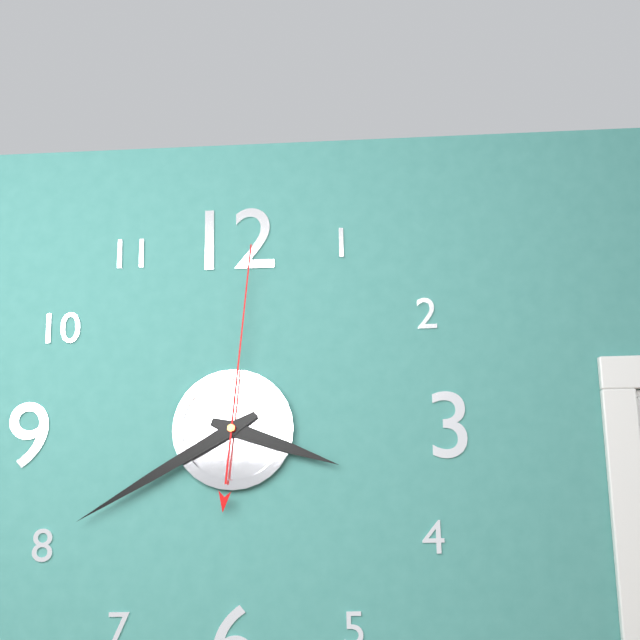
**3:40:01**
